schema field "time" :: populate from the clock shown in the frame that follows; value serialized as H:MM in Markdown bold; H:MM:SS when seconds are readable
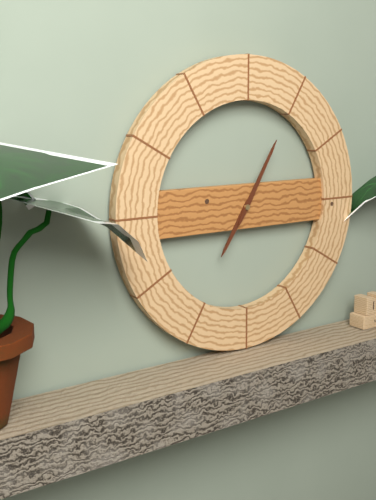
**7:05**
